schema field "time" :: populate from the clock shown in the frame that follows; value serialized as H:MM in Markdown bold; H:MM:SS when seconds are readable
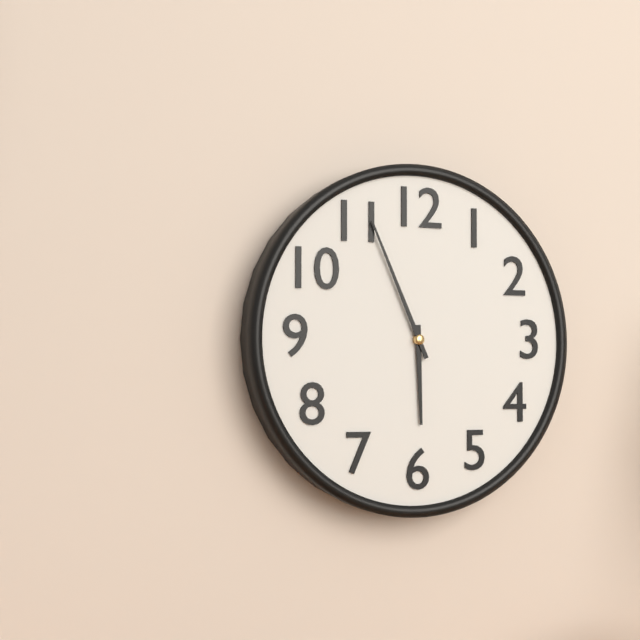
**5:56**
